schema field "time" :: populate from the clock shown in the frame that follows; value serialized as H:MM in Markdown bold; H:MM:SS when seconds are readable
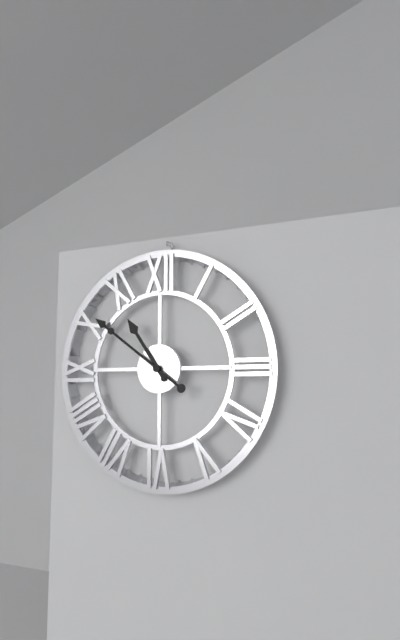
**10:51**
